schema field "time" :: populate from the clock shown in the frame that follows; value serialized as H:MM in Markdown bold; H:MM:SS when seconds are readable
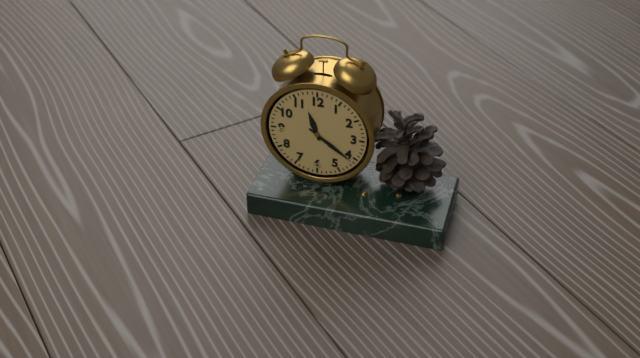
**11:21**
